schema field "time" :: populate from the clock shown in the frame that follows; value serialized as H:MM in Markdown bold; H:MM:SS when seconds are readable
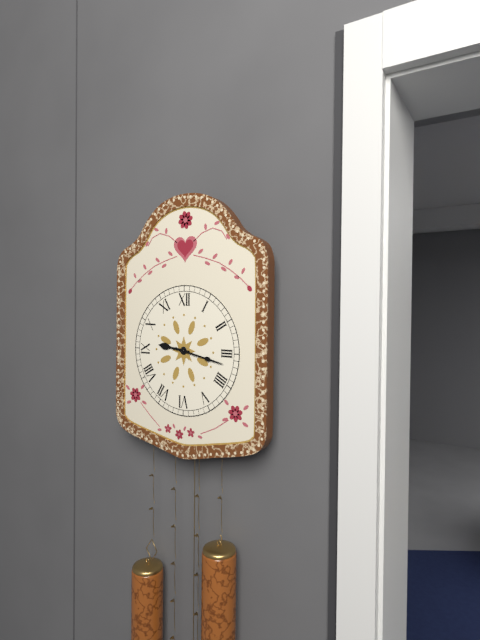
**9:17**
